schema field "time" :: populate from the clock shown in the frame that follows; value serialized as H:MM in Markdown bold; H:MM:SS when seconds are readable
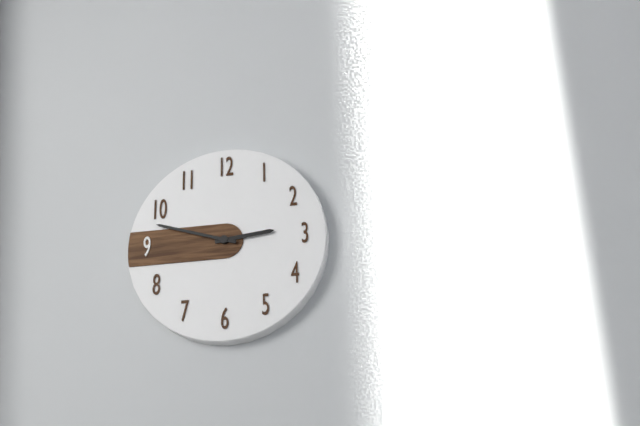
**2:48**
